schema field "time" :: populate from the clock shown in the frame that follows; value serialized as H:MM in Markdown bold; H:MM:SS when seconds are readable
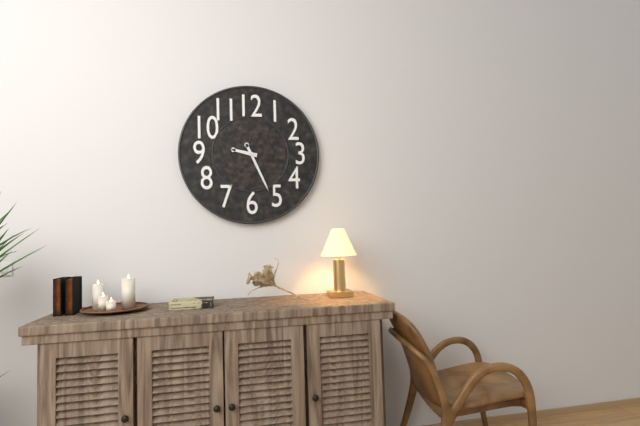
**9:26**
